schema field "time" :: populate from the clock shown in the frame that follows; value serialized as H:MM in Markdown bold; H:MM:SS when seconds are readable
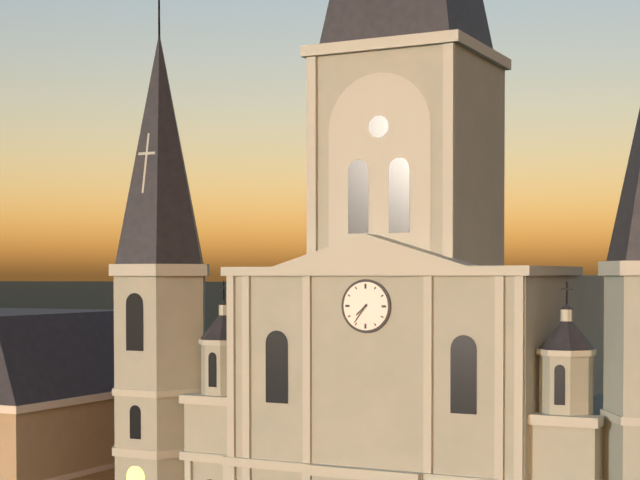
**7:36**
